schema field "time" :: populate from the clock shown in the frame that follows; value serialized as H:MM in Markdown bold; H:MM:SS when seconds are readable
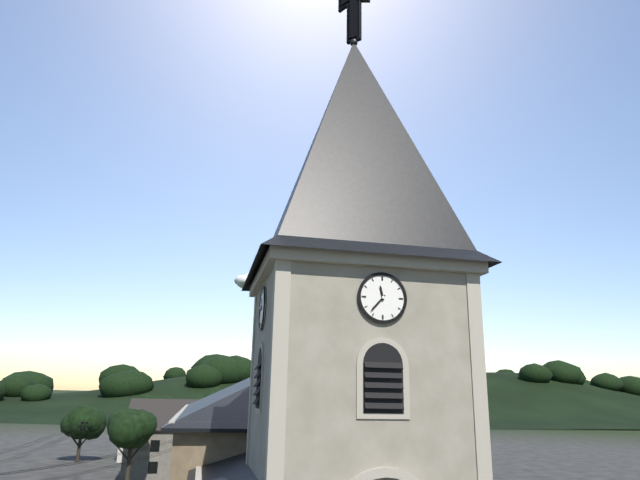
**11:37**
